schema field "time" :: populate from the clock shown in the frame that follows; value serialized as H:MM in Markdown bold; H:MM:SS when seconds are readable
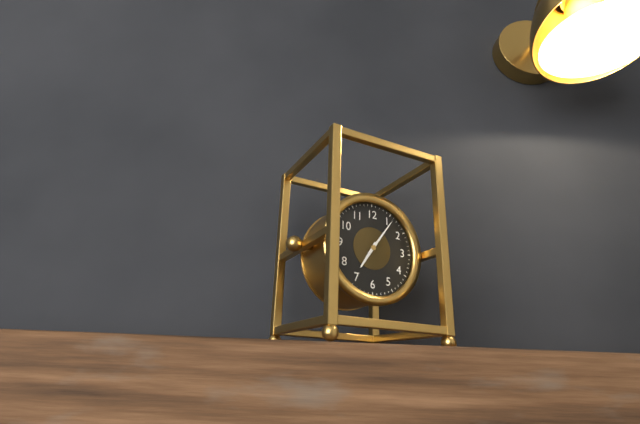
**7:06**
